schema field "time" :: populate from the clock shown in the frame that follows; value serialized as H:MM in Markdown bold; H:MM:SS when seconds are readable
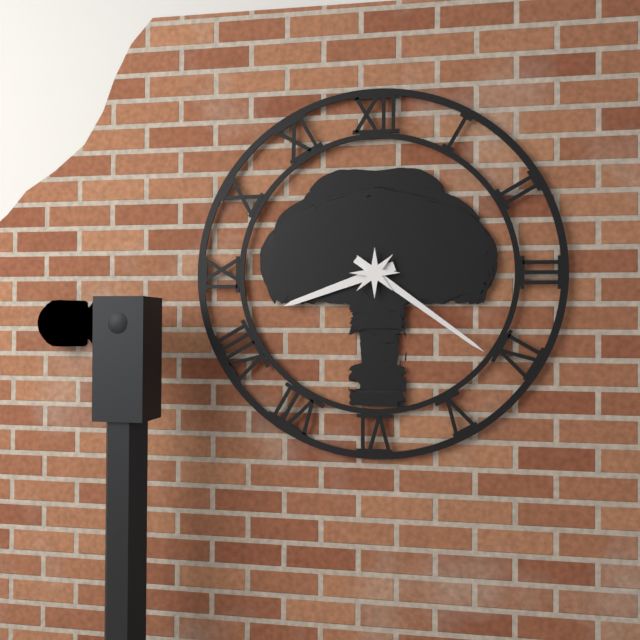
**8:21**
